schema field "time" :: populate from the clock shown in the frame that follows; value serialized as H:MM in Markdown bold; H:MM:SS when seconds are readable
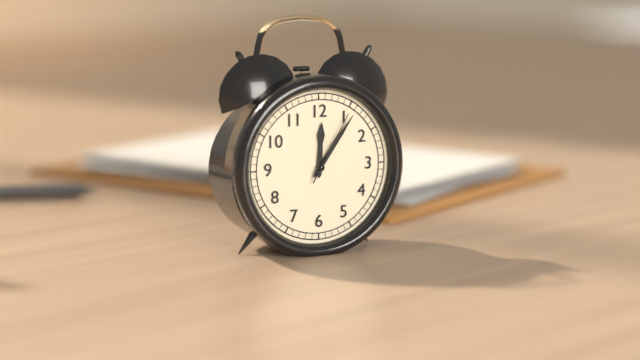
**12:06:05**
